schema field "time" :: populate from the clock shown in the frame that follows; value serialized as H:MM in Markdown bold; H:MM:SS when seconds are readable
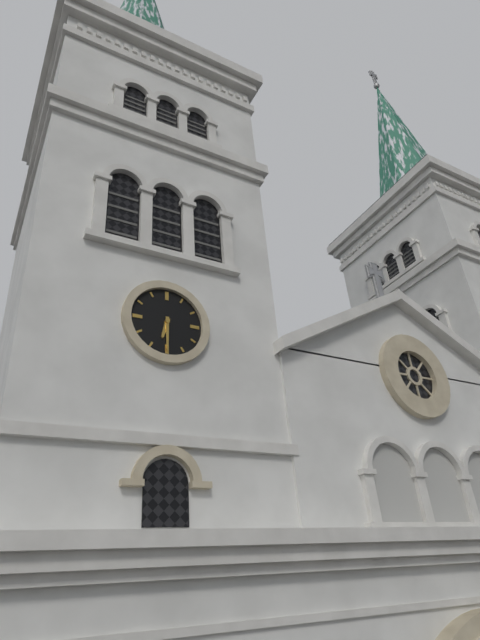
**6:30**
